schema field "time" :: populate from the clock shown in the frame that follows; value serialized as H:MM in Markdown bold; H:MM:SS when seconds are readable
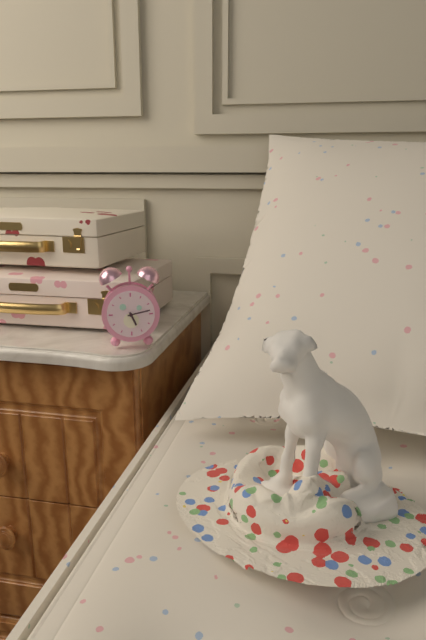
**5:13**
